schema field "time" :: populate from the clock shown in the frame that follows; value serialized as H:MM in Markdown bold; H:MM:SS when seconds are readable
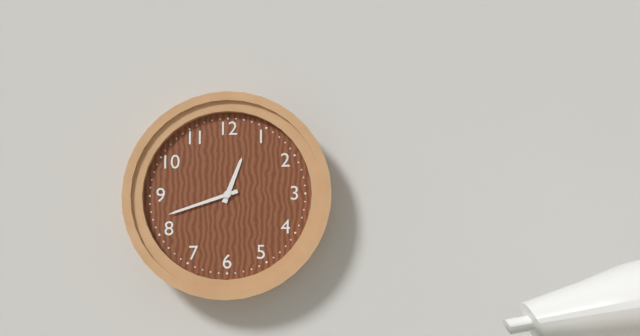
**12:42**
